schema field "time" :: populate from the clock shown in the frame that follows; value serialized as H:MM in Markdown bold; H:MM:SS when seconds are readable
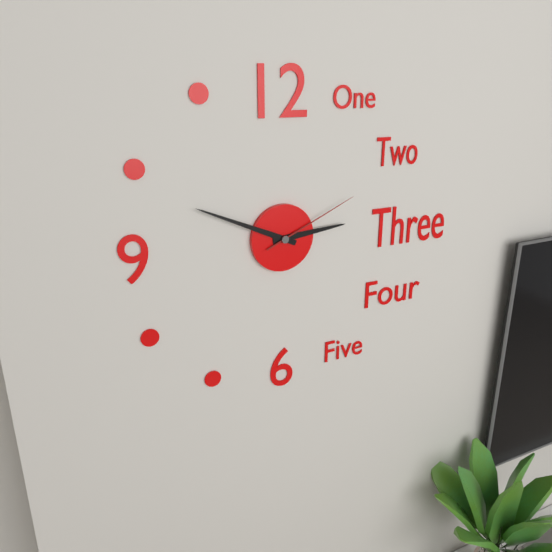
**2:49:11**
